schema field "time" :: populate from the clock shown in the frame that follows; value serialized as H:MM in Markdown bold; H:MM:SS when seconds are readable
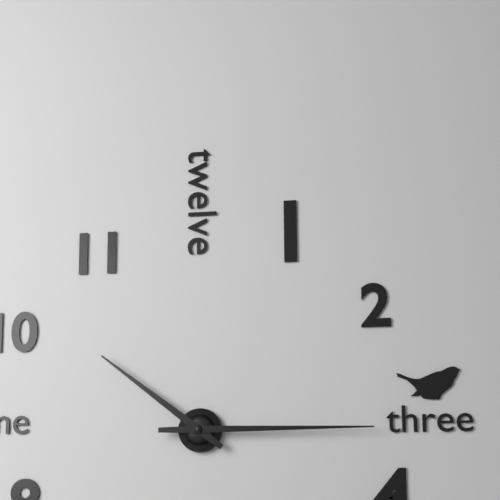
**10:15**
